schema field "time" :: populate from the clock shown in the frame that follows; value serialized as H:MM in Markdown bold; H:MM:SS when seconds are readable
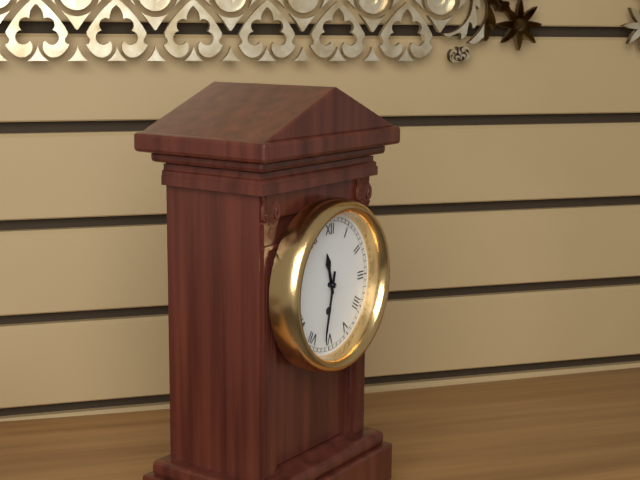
**11:32**
